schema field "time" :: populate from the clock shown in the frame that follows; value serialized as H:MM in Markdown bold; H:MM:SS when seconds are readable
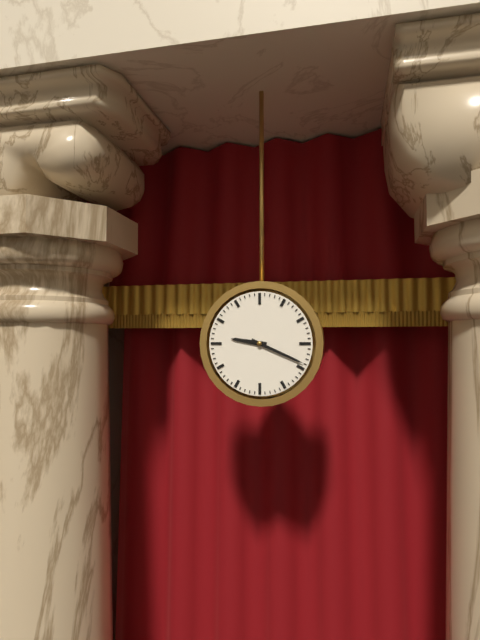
**9:19**
